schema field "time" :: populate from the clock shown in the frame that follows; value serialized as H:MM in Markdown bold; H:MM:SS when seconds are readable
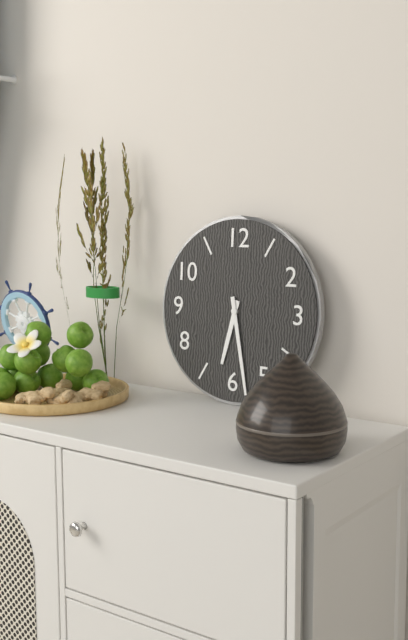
**6:28**
